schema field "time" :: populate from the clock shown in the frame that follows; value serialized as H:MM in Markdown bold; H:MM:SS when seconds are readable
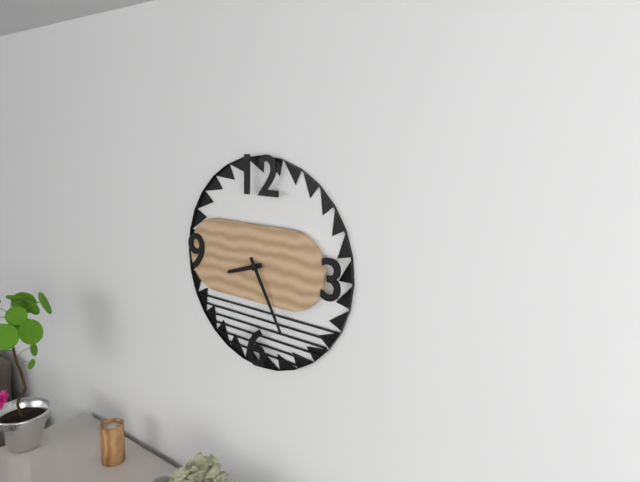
**8:25**
